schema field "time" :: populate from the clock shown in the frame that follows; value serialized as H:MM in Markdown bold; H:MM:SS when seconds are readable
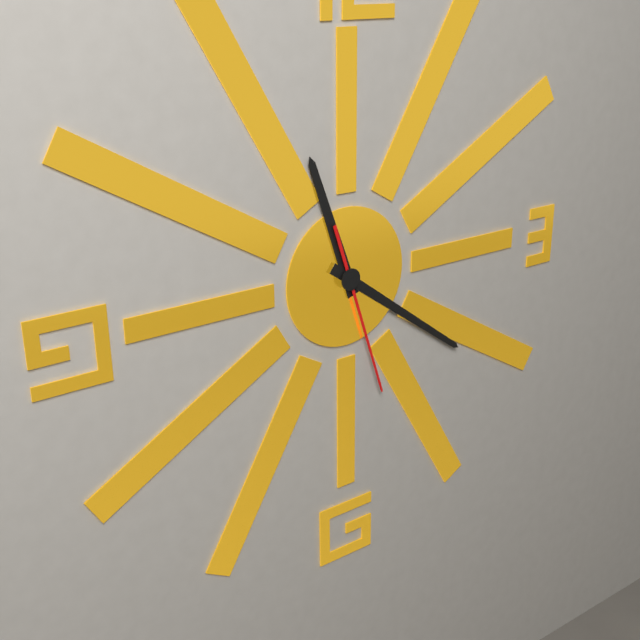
**11:21:27**
